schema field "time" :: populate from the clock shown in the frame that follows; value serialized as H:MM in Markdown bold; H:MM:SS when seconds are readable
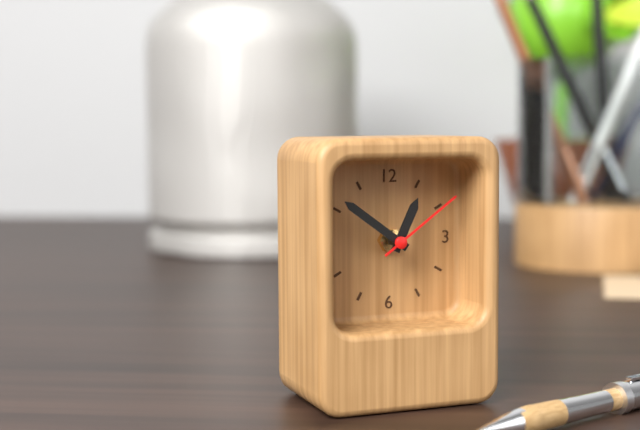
**12:51:09**
